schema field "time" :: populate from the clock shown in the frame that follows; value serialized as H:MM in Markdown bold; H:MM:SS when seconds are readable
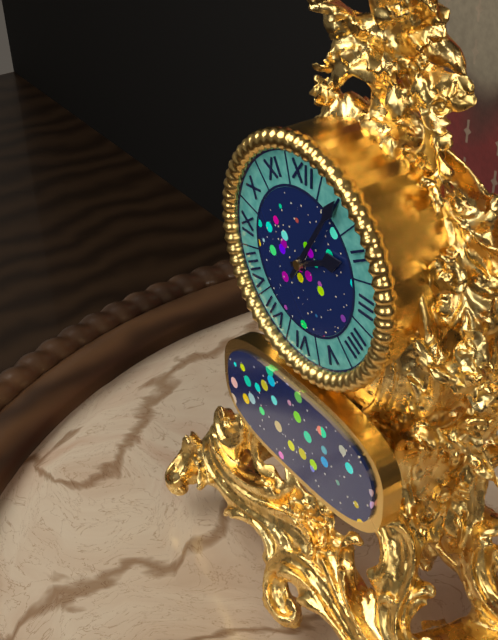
**2:05**
